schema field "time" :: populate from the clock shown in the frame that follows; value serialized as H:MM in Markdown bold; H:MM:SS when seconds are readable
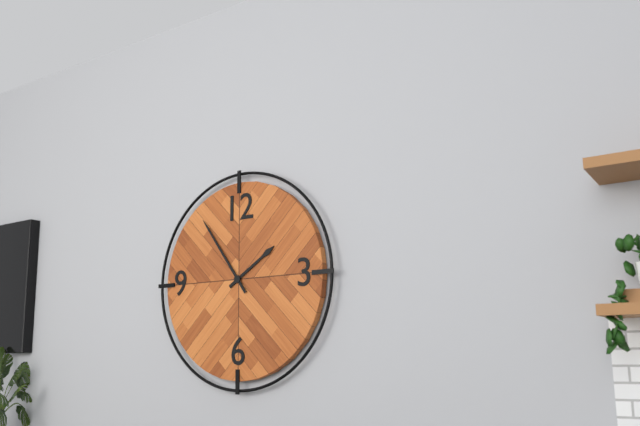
**1:54**
